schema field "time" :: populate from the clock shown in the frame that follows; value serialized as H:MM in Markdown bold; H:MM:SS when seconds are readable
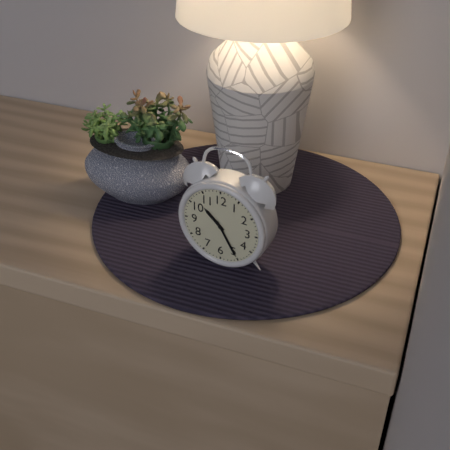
**10:25**
